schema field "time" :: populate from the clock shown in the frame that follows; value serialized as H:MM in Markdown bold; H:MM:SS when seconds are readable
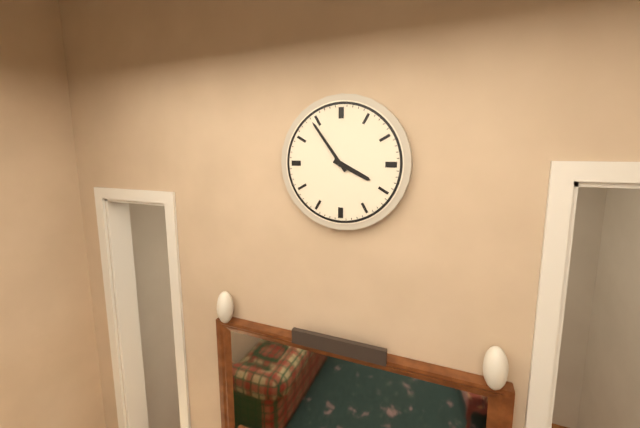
**3:54**
